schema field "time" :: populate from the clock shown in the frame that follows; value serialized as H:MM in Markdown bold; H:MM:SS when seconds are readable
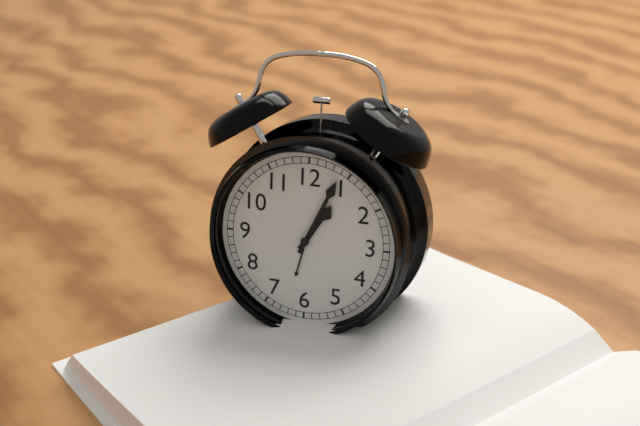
**1:04**
